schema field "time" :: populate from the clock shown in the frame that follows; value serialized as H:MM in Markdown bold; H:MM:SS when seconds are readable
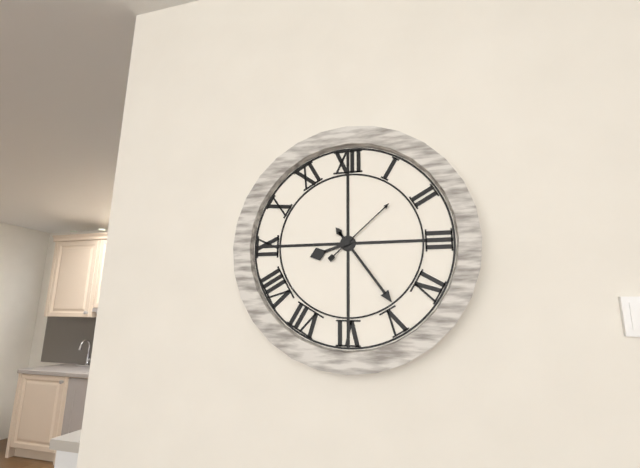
**8:24:08**
